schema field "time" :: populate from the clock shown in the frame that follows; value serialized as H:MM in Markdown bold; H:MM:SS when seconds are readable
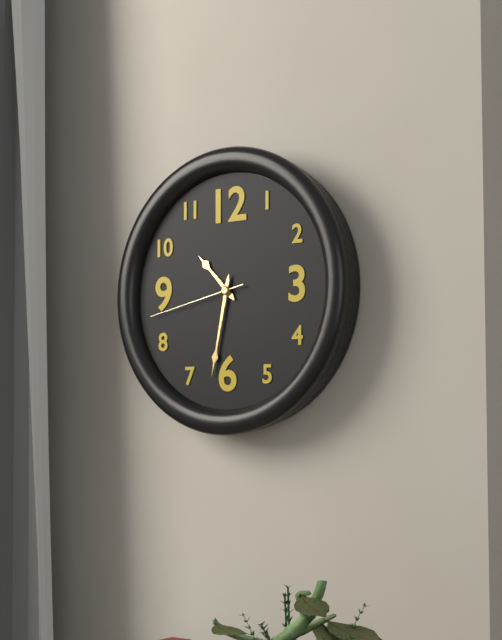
**10:32:43**
